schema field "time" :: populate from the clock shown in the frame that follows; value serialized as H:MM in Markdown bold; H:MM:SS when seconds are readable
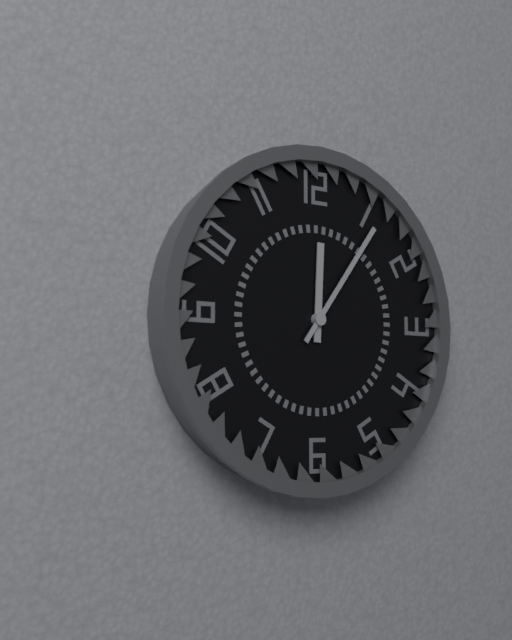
**12:06**
